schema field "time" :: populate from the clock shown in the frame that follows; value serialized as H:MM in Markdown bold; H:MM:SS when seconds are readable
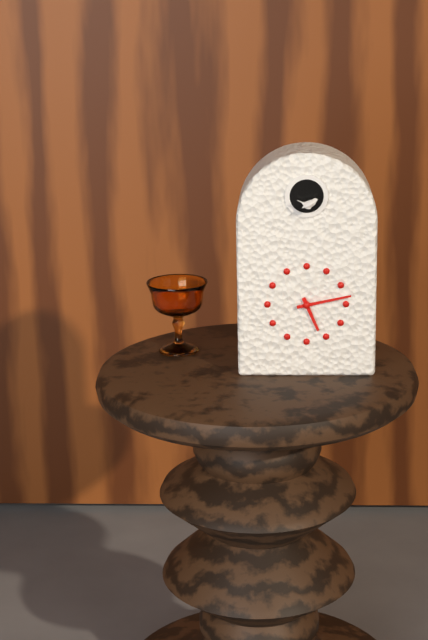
**5:13**
